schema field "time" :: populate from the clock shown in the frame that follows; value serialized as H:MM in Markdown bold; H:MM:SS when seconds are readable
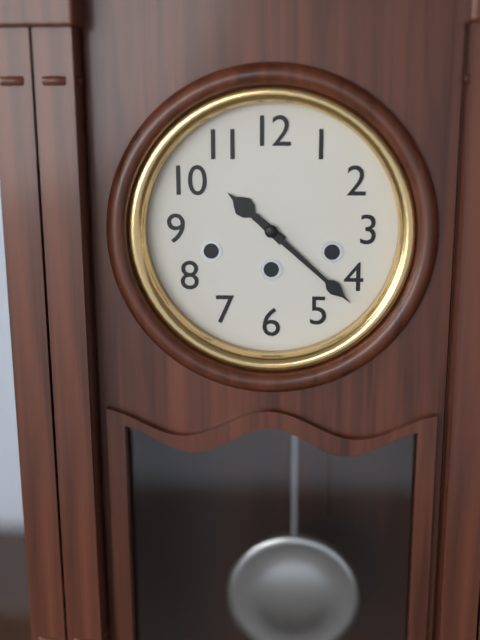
**10:22**
